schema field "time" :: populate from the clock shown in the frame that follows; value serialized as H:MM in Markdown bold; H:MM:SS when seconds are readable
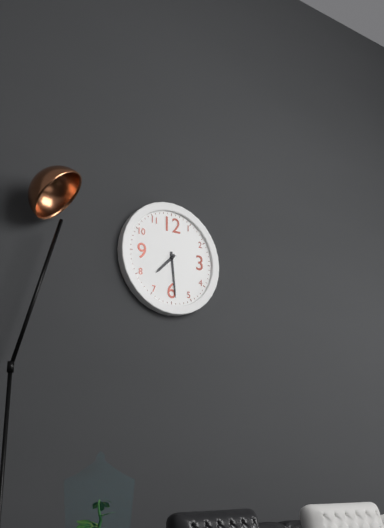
**7:29**
